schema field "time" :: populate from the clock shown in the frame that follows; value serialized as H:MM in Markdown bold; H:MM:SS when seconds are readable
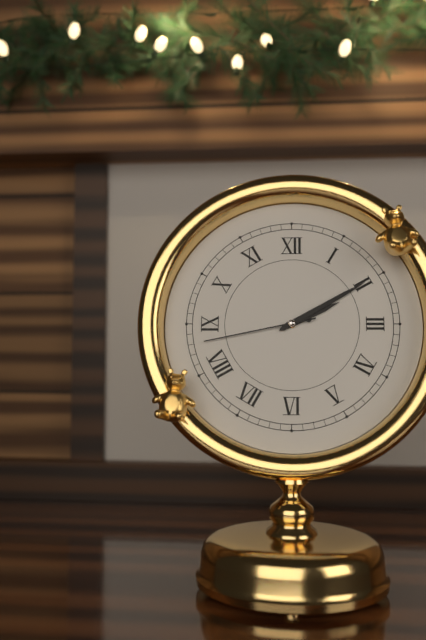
**2:10:43**
